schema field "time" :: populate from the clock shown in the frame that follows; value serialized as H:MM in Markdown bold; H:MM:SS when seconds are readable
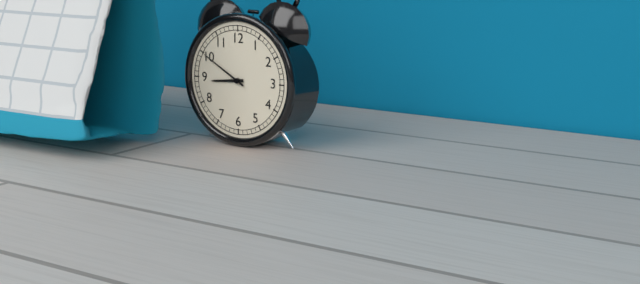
**8:50**
